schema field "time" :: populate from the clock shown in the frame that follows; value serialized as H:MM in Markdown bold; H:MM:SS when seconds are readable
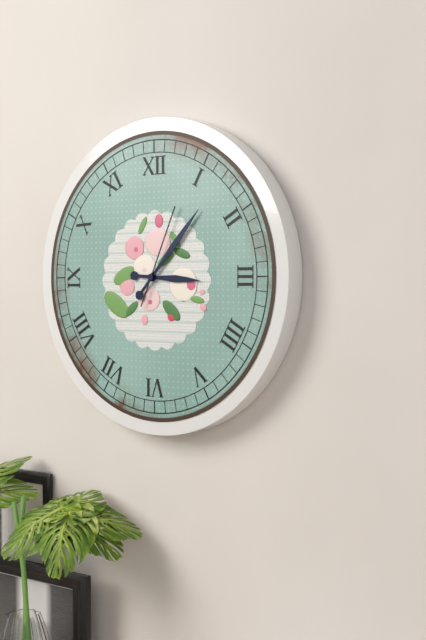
**3:07:04**
